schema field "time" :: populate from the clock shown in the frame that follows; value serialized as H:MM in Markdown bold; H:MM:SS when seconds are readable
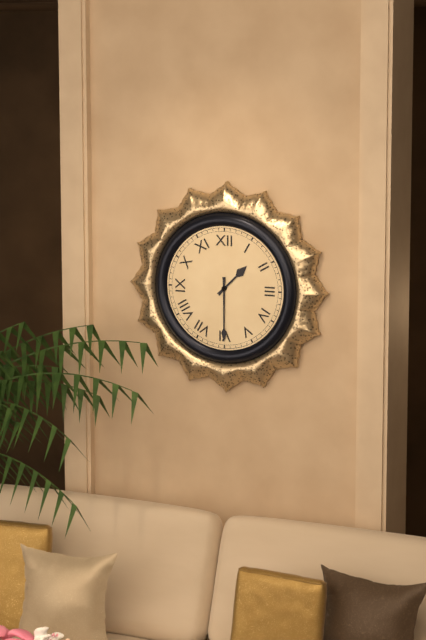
**1:30**
